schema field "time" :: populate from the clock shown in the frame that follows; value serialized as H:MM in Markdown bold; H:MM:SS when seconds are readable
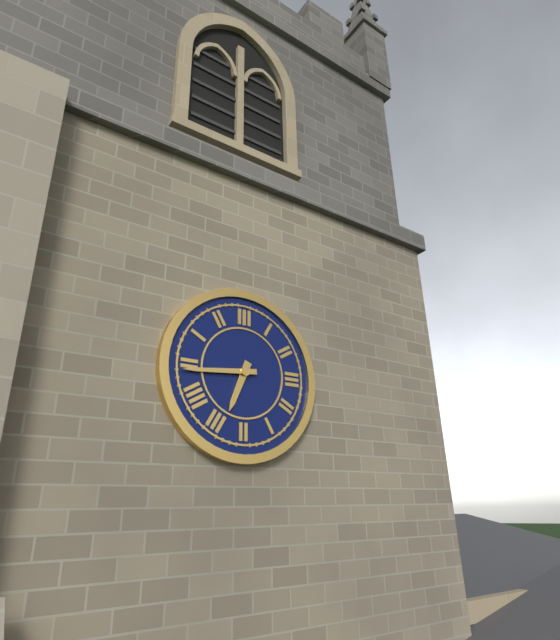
**6:44**
